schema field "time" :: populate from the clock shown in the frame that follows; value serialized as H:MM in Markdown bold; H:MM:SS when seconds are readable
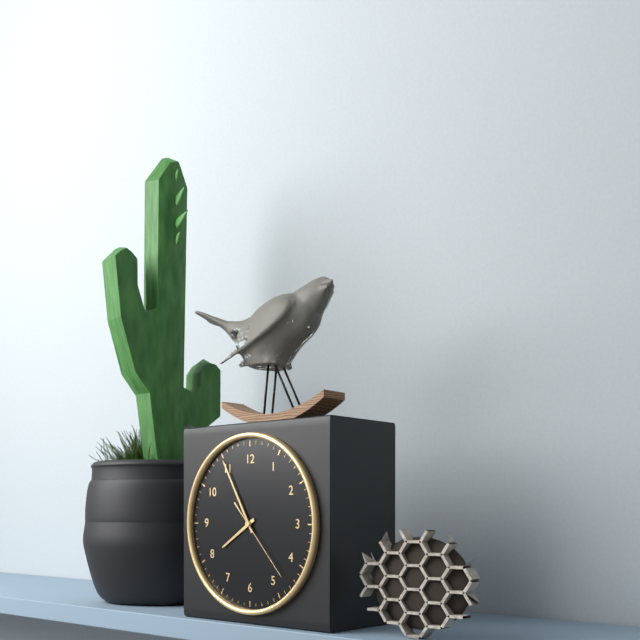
**7:55:23**
